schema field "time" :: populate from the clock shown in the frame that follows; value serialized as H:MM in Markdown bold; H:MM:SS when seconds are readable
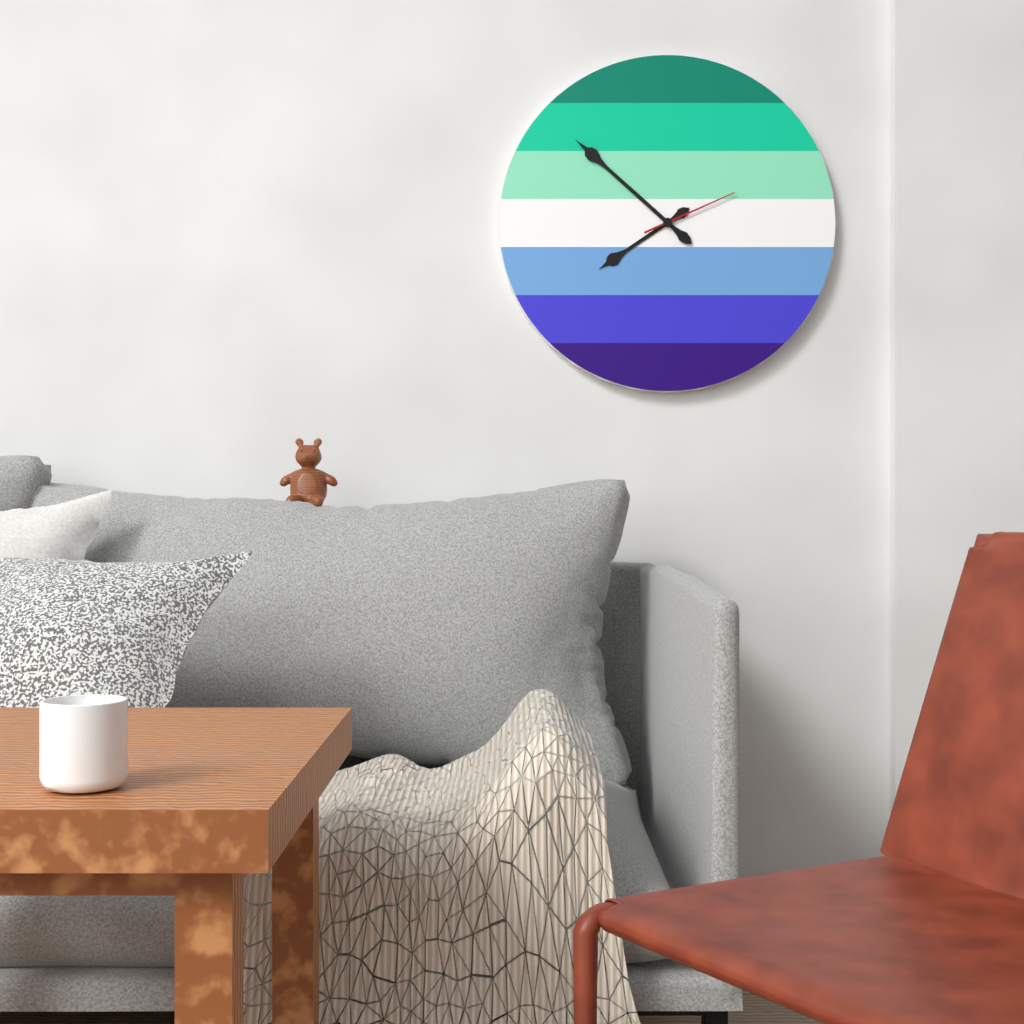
**7:52:11**
